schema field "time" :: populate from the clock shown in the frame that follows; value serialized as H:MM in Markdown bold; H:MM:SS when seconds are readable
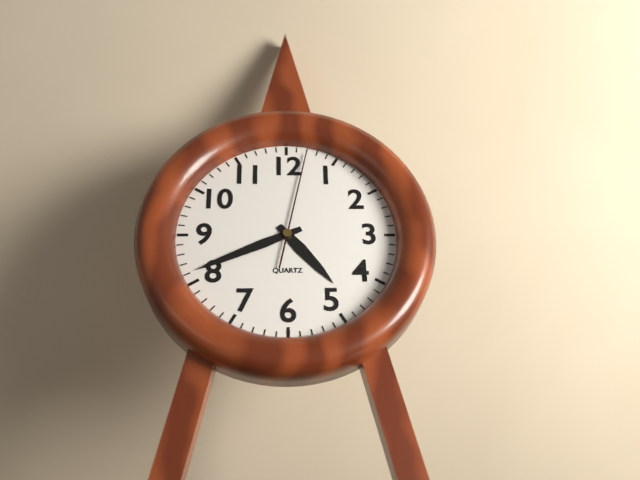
**4:41:02**
